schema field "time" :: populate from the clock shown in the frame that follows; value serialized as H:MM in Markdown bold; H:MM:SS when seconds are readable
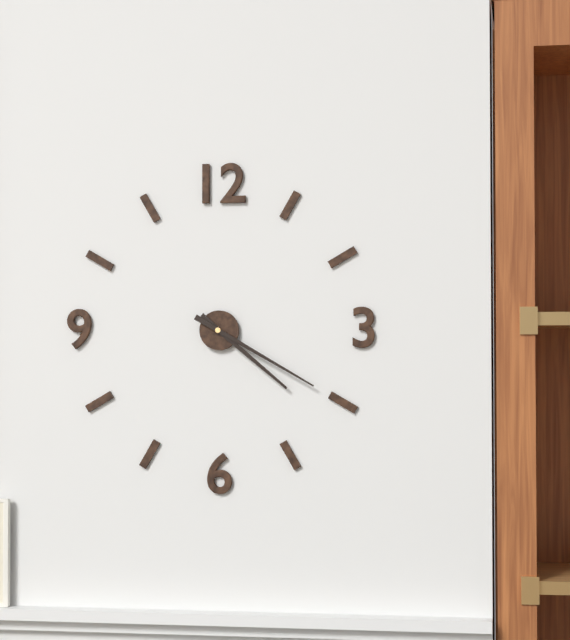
**4:20**
